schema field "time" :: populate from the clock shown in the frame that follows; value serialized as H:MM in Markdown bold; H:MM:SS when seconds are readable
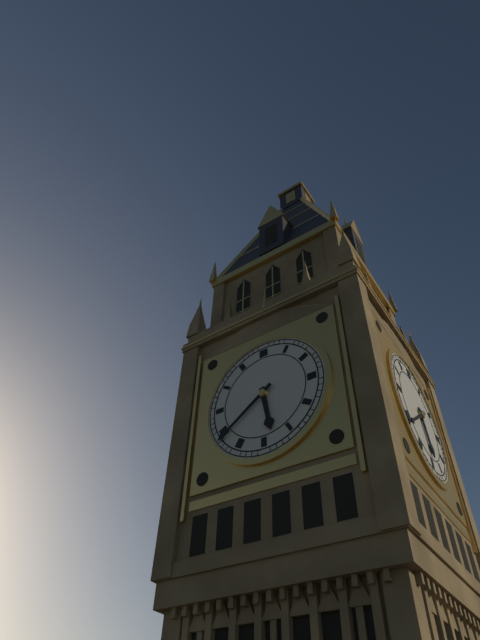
**5:39**
